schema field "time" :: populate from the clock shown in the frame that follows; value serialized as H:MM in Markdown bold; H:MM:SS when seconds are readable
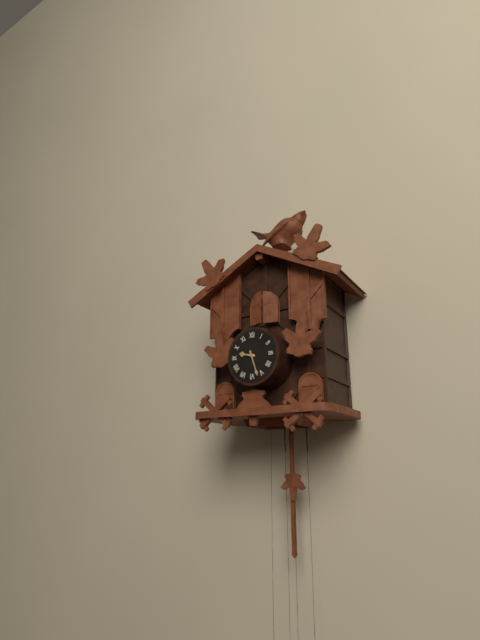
**9:27**
